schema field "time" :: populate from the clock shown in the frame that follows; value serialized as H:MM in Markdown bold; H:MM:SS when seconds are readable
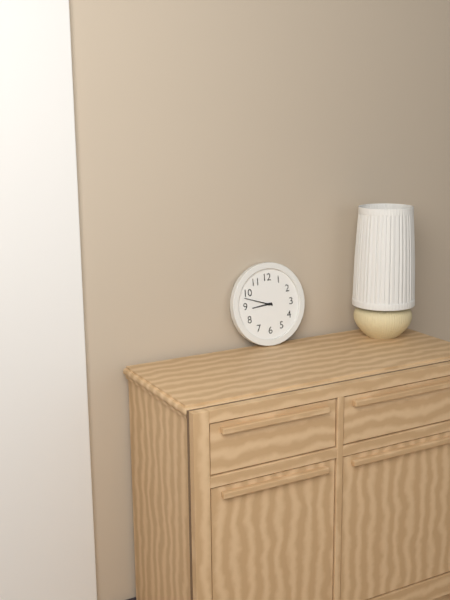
**8:48**
